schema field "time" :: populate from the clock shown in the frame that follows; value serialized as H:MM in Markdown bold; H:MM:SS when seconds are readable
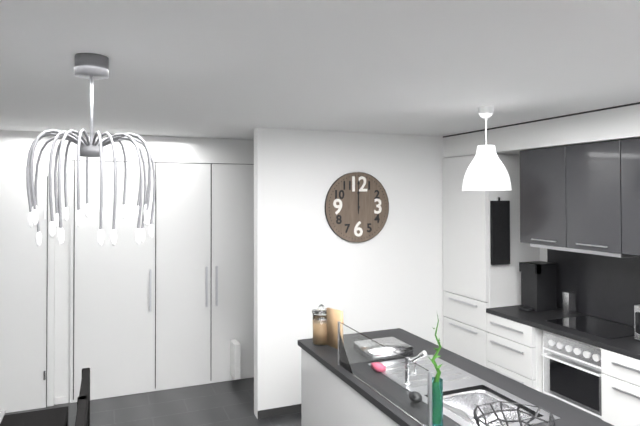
**12:00**
